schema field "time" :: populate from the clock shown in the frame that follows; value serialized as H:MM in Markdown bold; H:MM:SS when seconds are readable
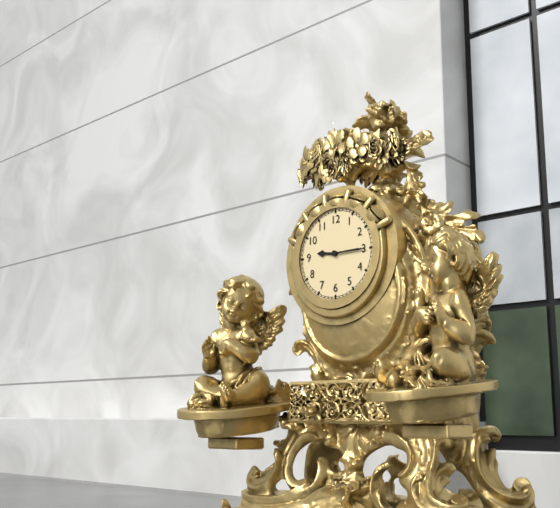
**9:15**
